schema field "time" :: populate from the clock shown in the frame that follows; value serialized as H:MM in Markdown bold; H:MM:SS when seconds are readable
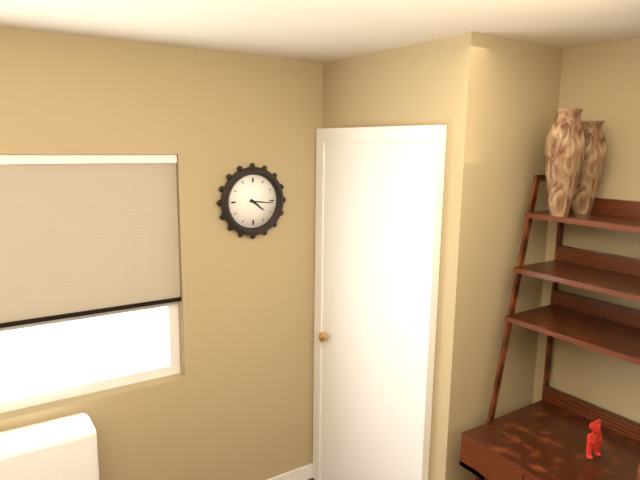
**4:16**
